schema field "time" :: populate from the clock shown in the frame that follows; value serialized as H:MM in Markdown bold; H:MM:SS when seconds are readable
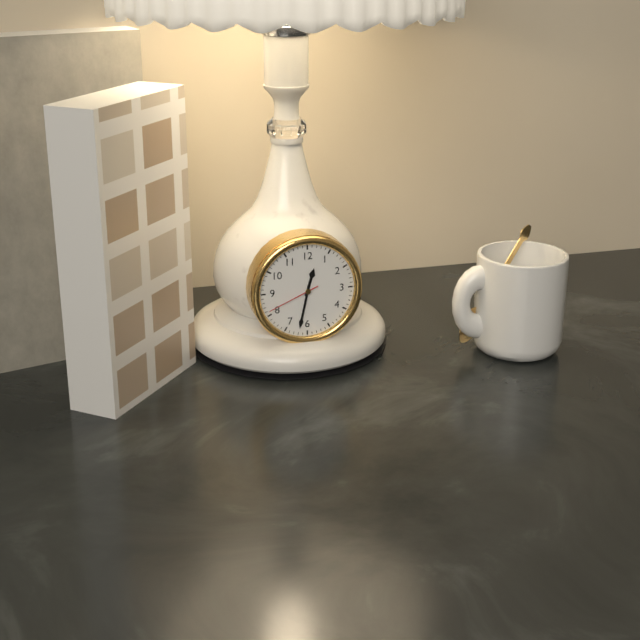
**12:32:41**
